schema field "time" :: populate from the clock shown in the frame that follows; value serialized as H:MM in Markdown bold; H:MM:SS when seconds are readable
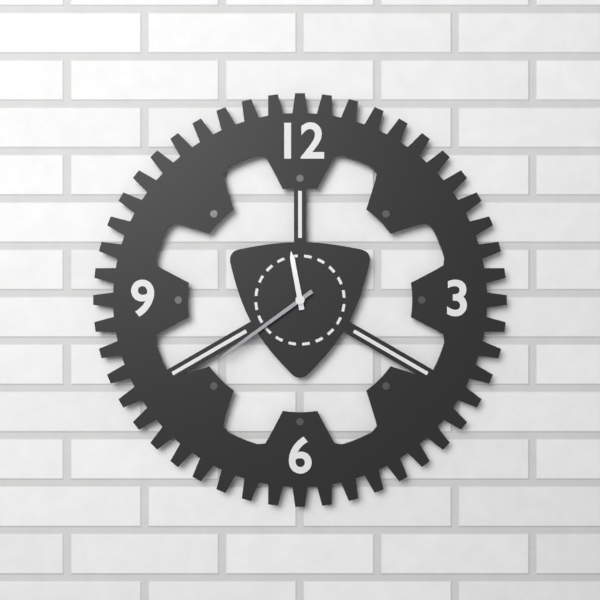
**11:39**
